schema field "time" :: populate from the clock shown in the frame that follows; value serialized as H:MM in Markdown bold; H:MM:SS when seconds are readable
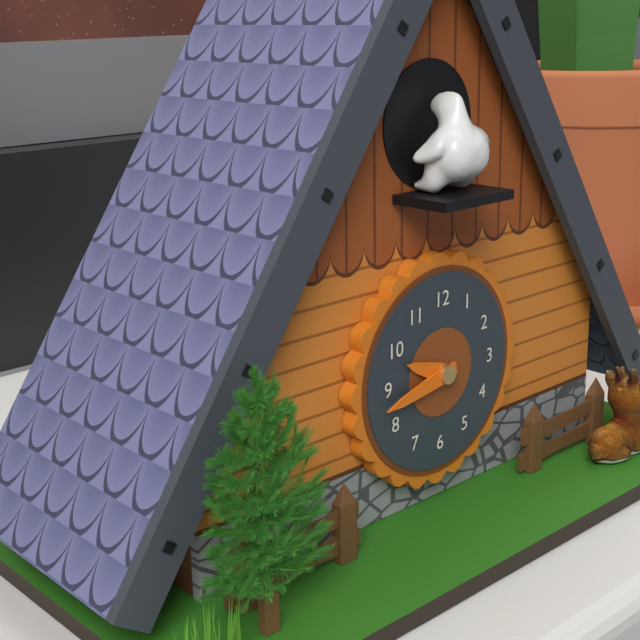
**9:43**
